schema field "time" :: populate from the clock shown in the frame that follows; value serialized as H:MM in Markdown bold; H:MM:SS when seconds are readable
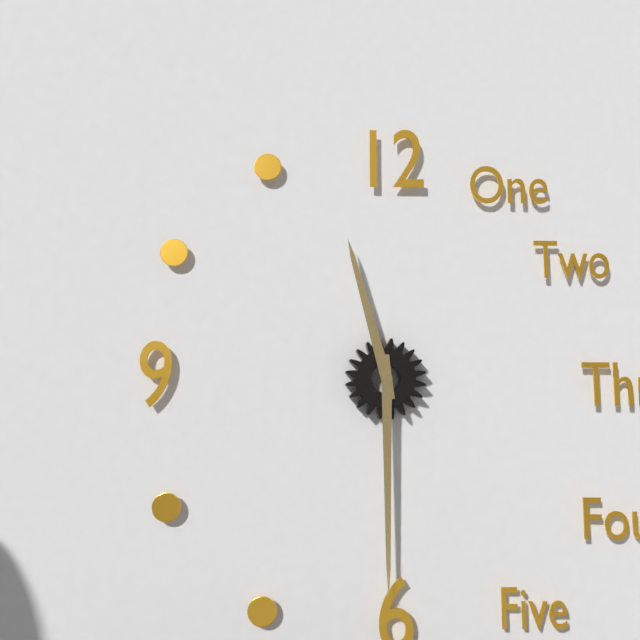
**11:30**
